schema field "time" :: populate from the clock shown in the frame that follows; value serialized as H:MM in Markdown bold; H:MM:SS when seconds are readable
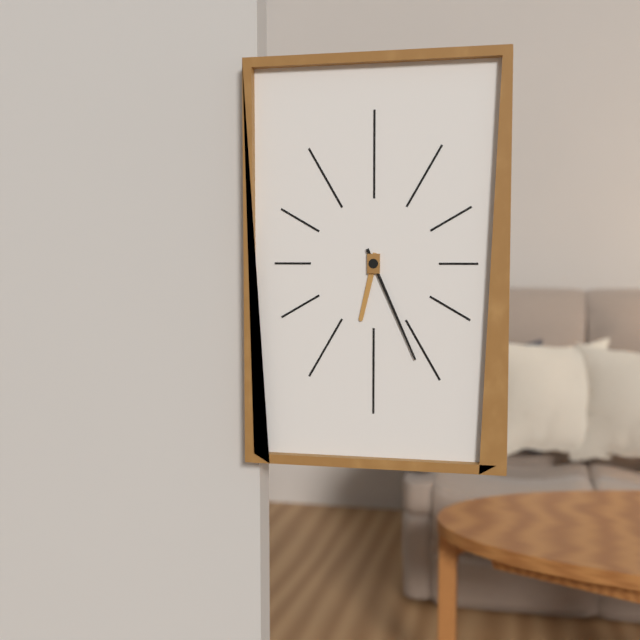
**6:26**
